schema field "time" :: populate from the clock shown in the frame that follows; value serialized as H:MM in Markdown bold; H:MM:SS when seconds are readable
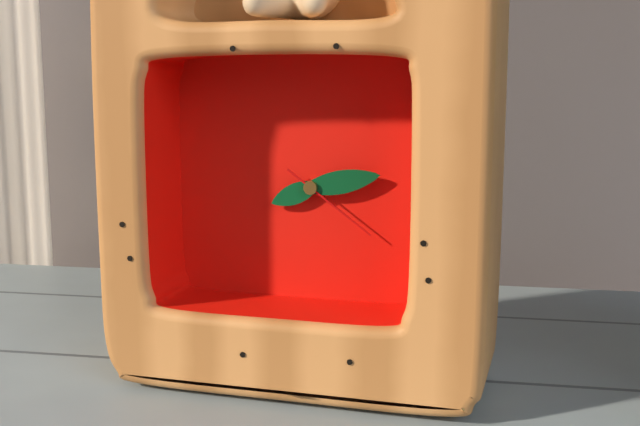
**8:13:21**
